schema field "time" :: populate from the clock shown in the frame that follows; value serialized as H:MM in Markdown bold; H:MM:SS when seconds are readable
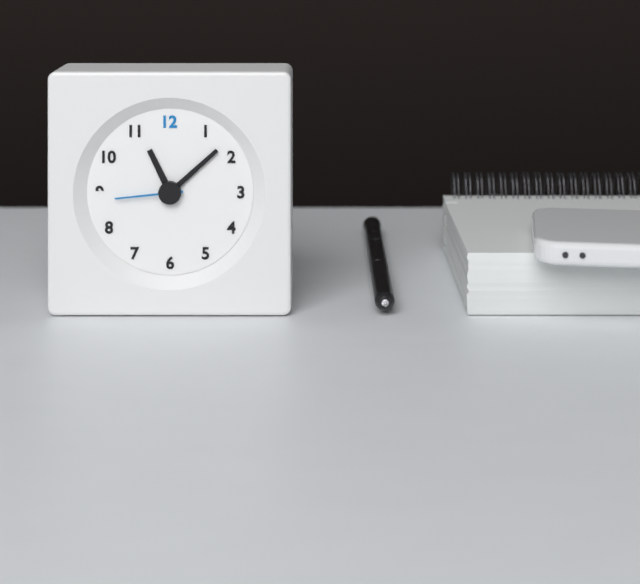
**11:08:44**
